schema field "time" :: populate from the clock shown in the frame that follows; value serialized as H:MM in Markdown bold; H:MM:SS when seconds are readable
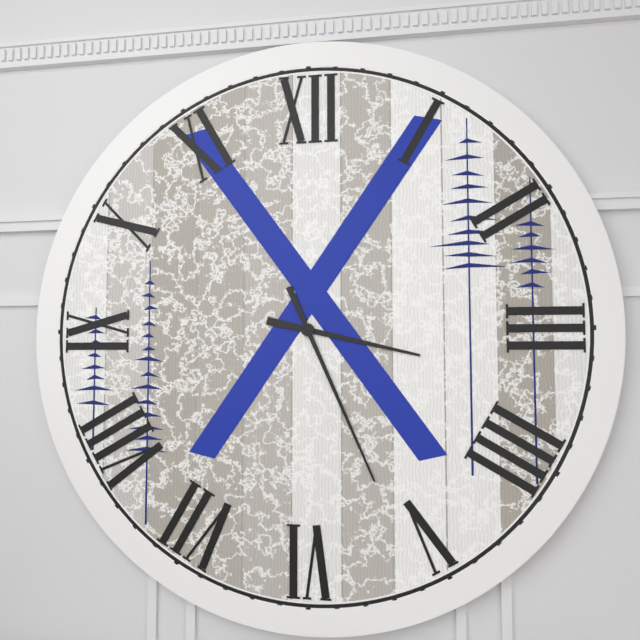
**3:26**
